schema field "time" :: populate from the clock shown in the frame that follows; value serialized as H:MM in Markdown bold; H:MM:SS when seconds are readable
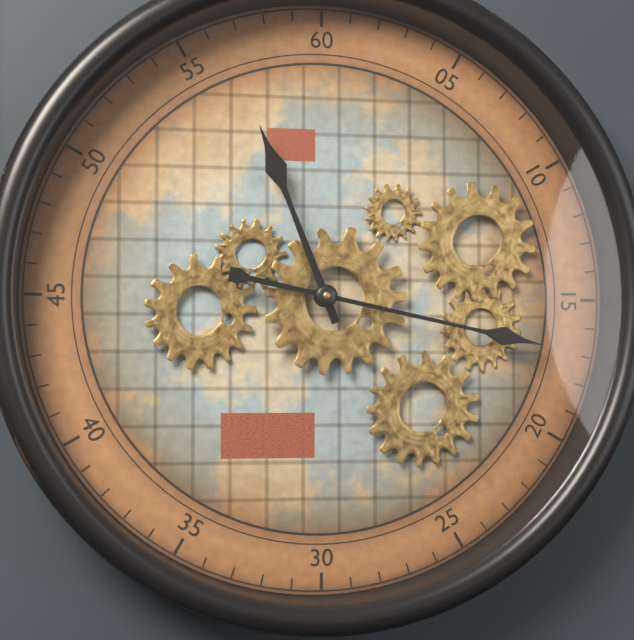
**11:17**
